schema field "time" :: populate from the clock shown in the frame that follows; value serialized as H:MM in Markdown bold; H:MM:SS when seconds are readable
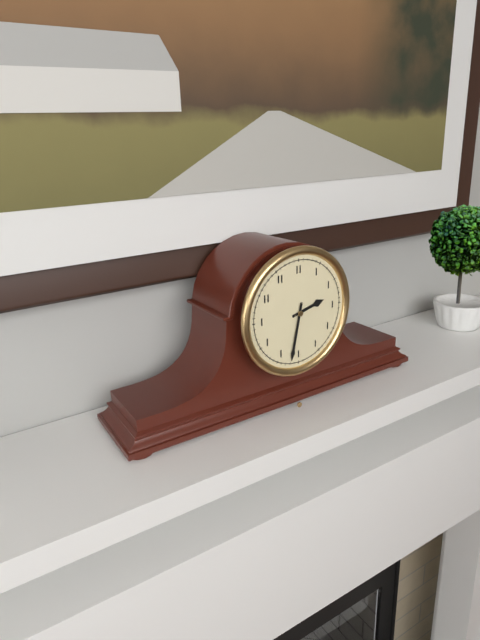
**2:32**
